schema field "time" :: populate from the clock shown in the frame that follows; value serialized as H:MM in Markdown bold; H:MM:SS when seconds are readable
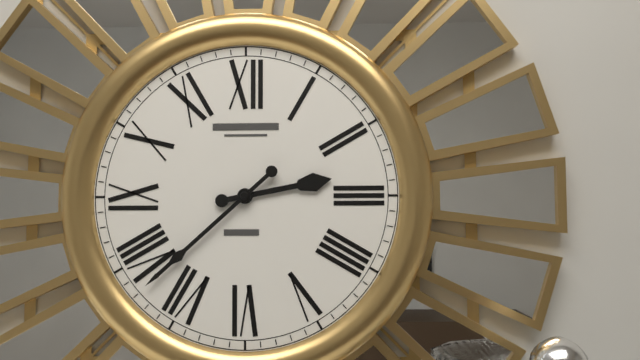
**2:38**
